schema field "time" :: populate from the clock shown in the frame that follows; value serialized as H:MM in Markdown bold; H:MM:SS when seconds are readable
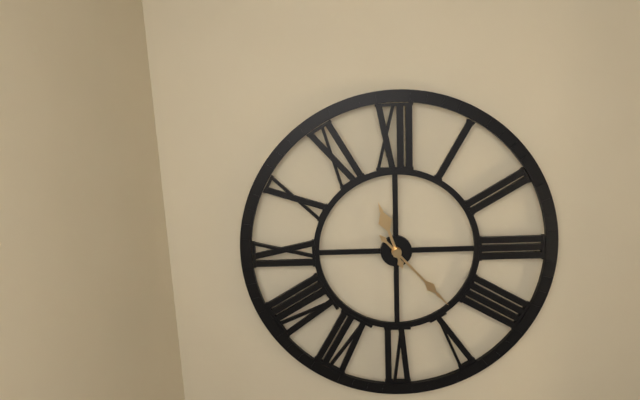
**11:23**
